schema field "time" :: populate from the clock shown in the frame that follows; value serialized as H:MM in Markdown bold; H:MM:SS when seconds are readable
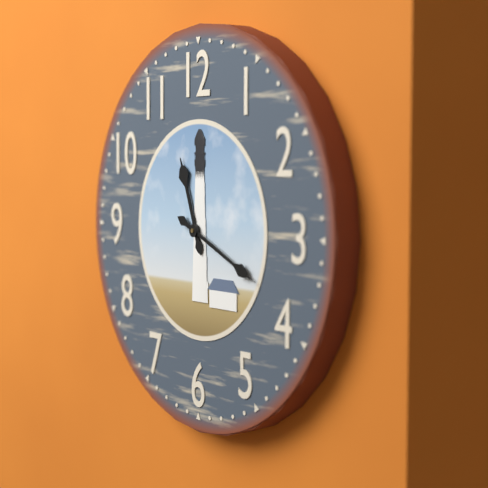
**11:19**
